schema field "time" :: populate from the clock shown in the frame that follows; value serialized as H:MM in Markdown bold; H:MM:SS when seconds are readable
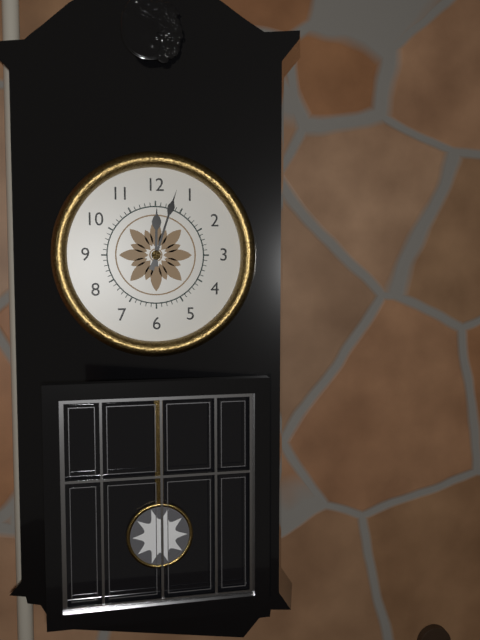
**12:03**
